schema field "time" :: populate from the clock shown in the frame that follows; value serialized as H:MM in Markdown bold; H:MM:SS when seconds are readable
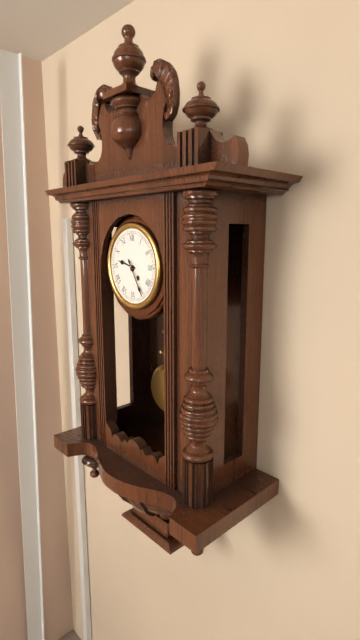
**9:25**
